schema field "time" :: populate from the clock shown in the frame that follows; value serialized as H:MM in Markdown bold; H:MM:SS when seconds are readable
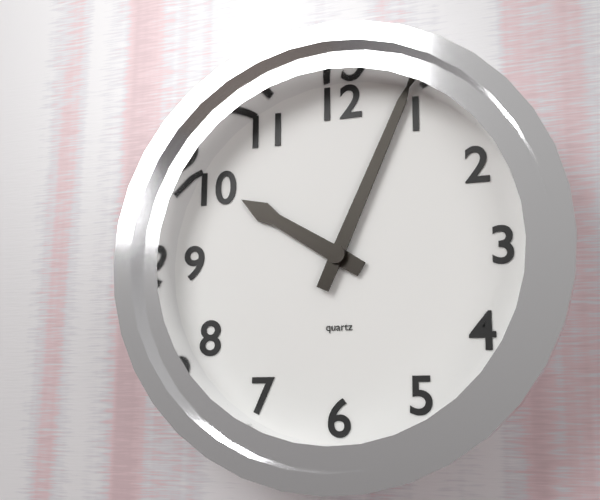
**10:04**
